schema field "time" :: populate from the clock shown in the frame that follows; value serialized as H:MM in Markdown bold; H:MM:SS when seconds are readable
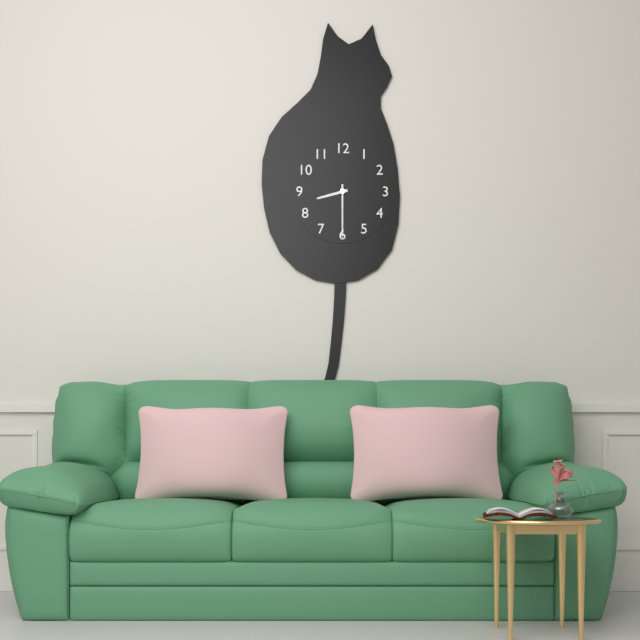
**8:30**
